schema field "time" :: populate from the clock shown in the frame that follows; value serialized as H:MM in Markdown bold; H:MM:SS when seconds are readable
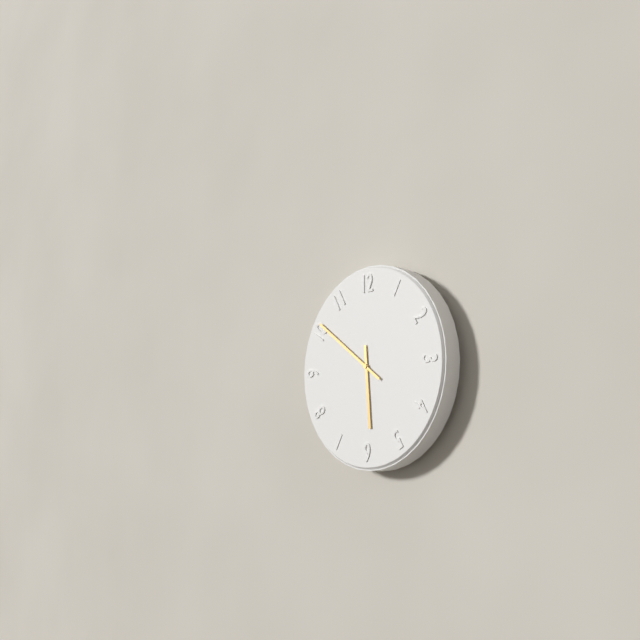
**5:51**
